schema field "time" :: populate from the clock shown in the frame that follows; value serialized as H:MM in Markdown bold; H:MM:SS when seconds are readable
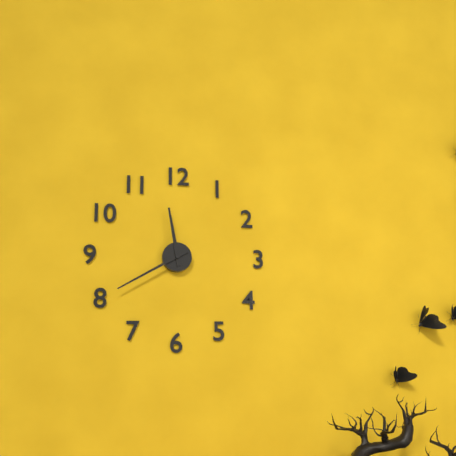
**11:40**
